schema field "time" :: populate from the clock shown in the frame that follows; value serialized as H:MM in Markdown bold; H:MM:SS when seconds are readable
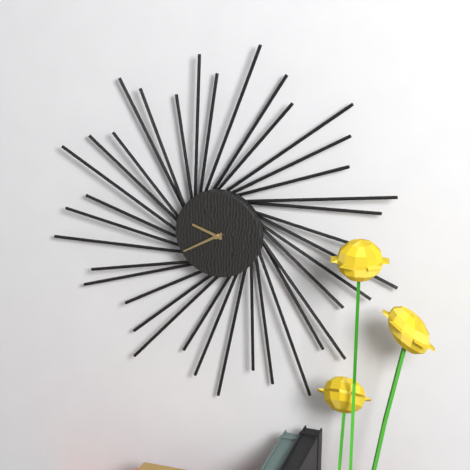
**9:40**
